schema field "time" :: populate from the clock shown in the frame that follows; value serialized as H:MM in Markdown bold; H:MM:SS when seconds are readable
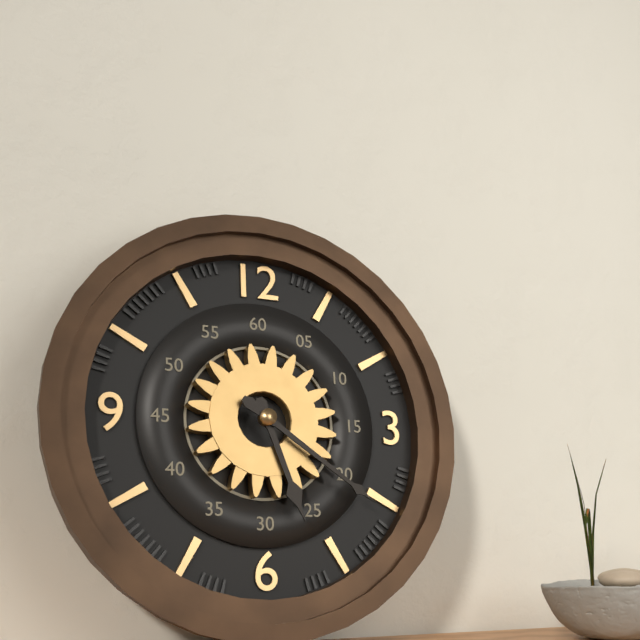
**5:21**
